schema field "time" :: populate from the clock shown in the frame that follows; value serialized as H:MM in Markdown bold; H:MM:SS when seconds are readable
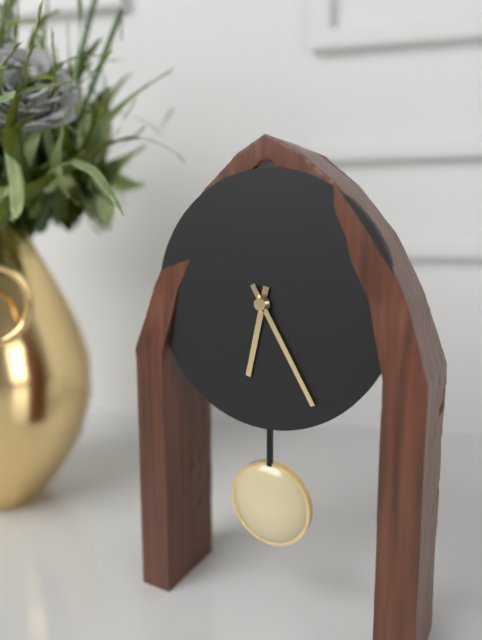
**6:25**
